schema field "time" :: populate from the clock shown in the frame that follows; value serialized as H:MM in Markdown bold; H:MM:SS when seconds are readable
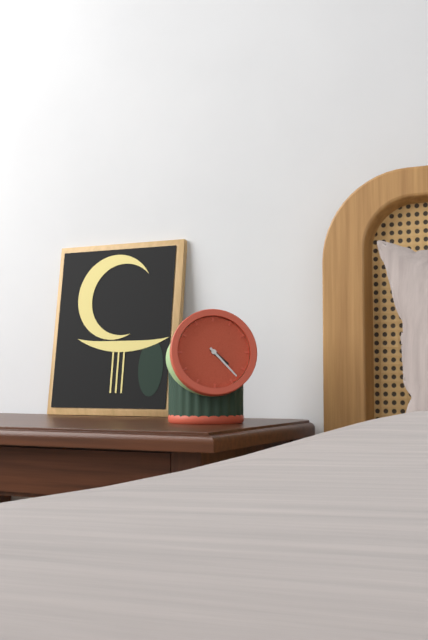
**4:23**
